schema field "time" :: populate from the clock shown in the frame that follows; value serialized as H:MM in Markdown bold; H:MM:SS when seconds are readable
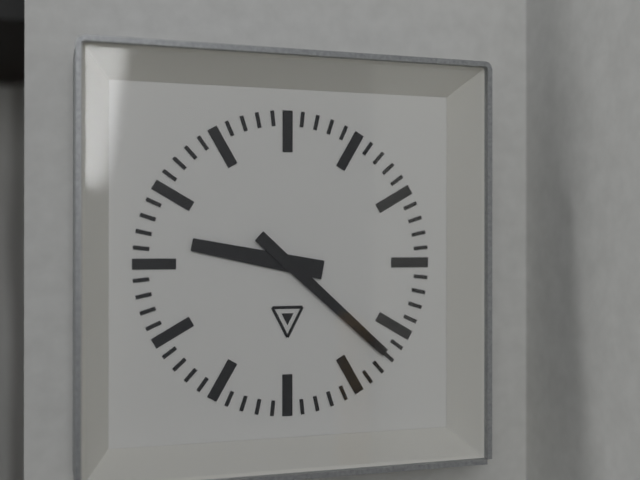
**9:22**
